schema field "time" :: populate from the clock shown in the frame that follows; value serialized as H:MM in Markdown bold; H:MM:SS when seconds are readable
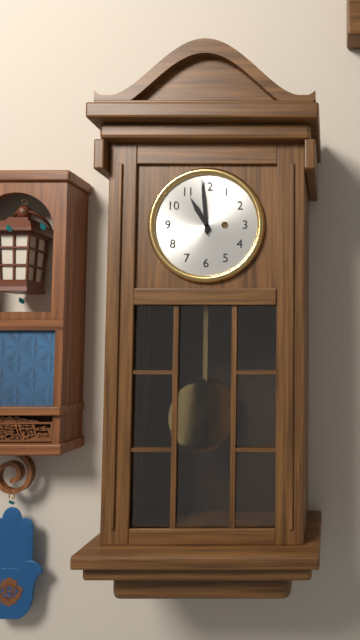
**10:59**
